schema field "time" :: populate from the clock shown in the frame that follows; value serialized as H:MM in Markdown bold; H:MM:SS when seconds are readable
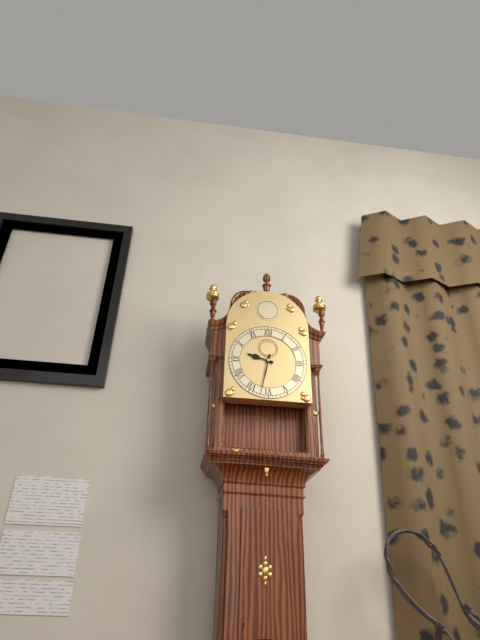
**9:32**
